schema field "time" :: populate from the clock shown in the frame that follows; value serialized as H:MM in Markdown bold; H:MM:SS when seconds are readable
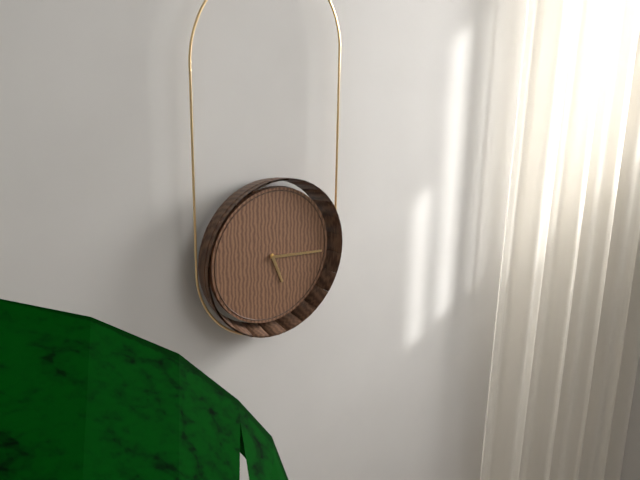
**5:16**
